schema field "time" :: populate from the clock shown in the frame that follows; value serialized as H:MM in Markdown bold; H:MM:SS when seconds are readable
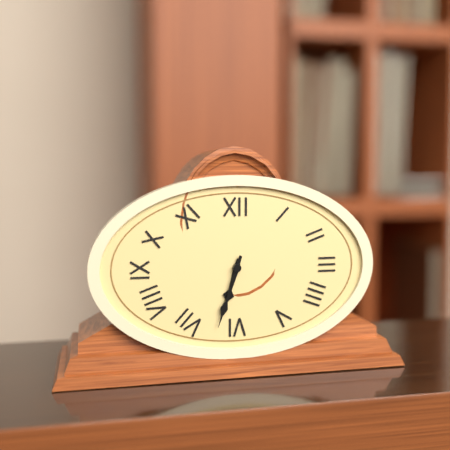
**6:33**
